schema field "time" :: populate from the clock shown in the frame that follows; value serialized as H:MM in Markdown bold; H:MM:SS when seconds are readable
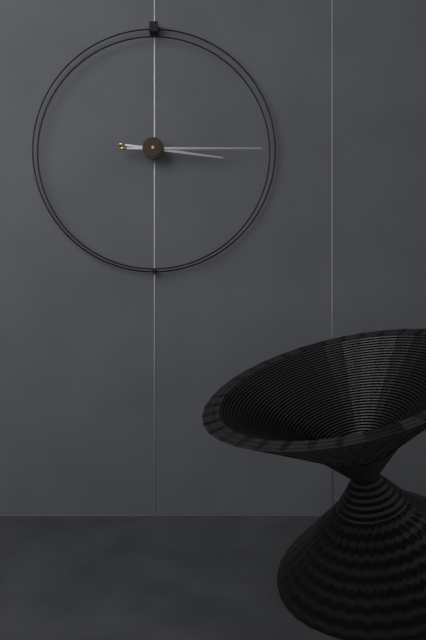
**3:15**
